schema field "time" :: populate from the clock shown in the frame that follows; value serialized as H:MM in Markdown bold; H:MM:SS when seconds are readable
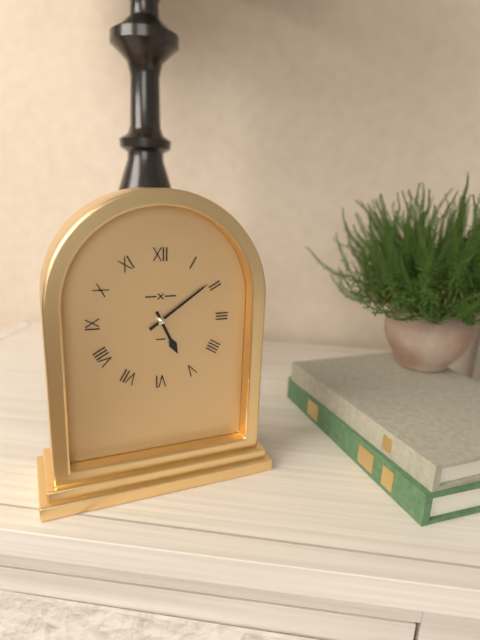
**5:09**
